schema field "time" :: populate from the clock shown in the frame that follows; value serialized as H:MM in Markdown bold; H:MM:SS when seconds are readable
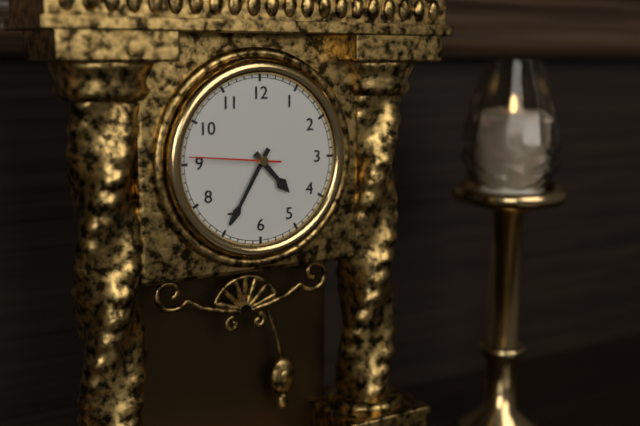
**4:35:46**
